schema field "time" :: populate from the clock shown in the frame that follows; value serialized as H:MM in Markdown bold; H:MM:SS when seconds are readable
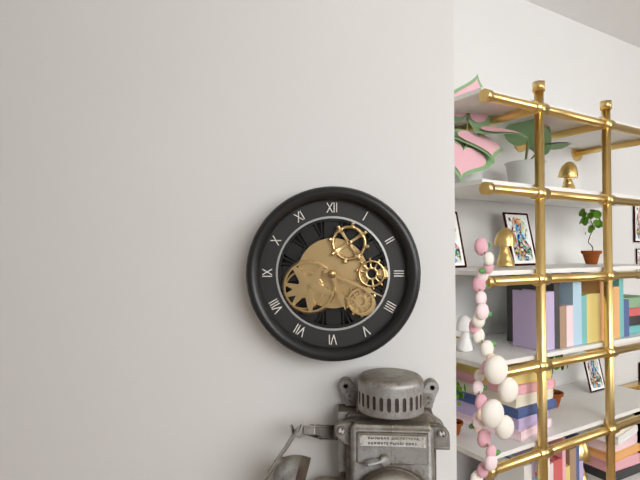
**5:19**
